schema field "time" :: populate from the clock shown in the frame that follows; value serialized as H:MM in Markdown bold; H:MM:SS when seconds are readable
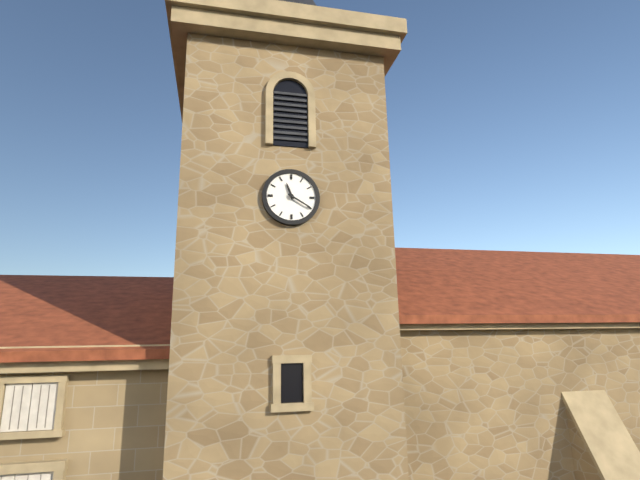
**11:20**
